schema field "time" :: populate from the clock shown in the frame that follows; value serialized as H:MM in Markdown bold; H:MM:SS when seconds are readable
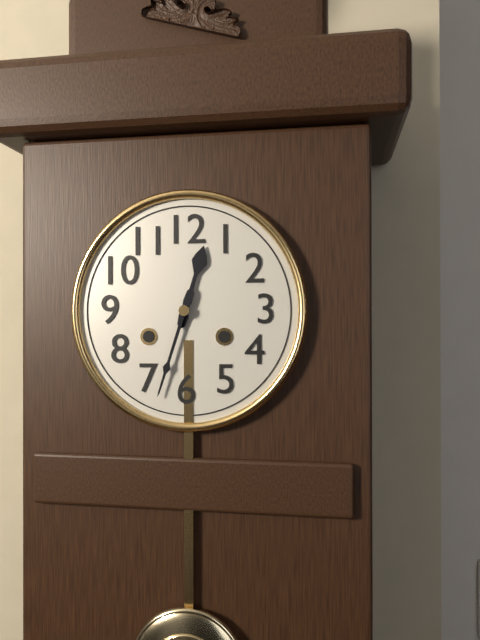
**12:33**
